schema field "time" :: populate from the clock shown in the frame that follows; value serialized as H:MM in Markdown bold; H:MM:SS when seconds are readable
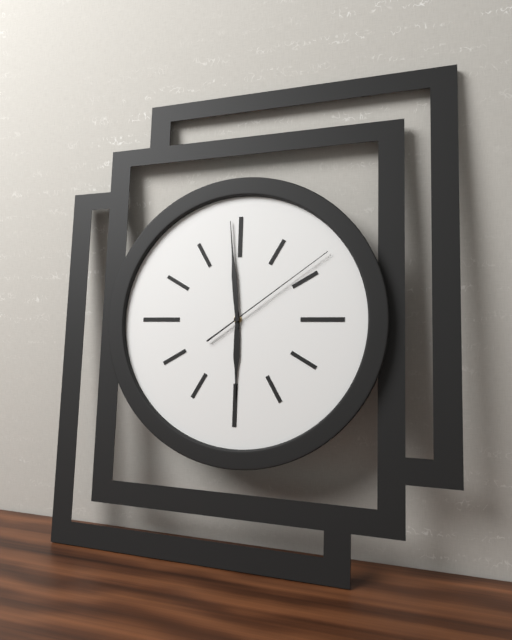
**5:59:09**
